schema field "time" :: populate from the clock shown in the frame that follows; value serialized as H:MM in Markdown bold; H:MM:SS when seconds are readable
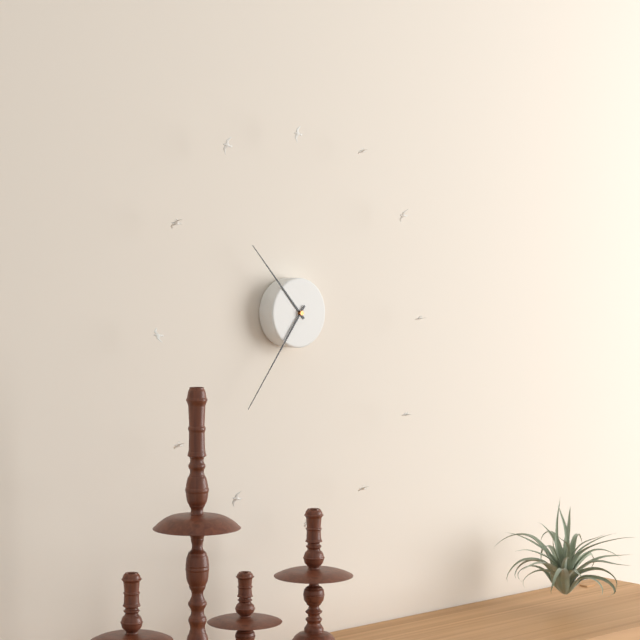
**10:36**
